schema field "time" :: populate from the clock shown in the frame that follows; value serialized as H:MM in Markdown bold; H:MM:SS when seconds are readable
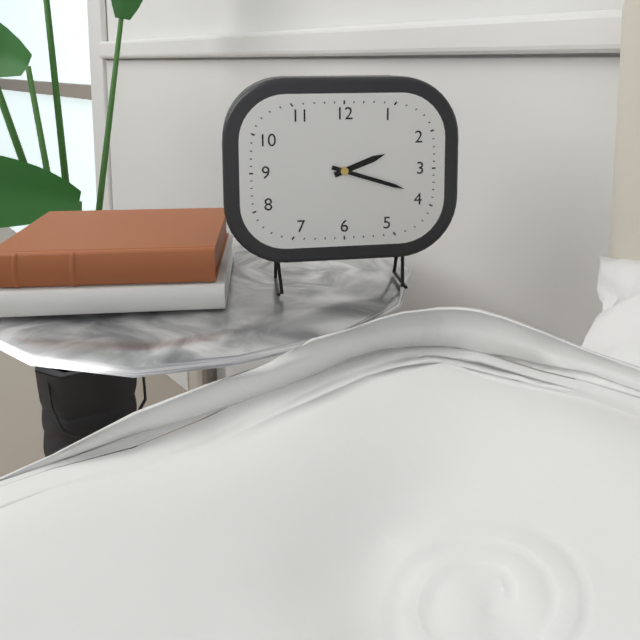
**2:18**
